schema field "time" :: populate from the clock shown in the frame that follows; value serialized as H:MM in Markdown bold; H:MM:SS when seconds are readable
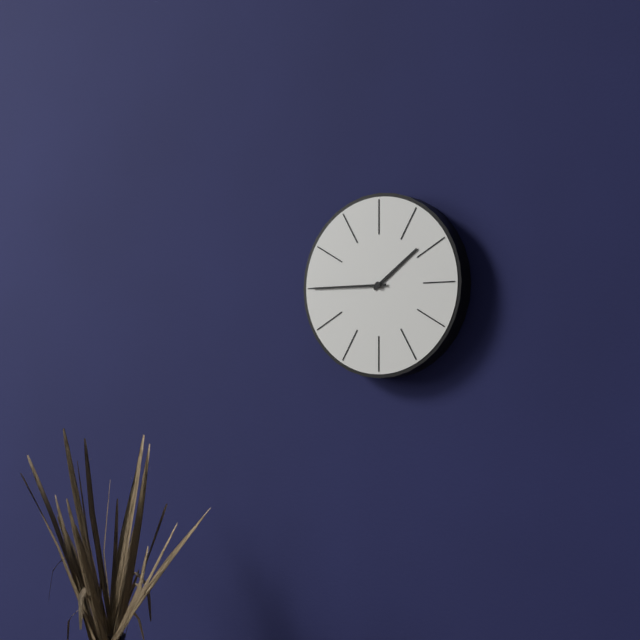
**1:45**
